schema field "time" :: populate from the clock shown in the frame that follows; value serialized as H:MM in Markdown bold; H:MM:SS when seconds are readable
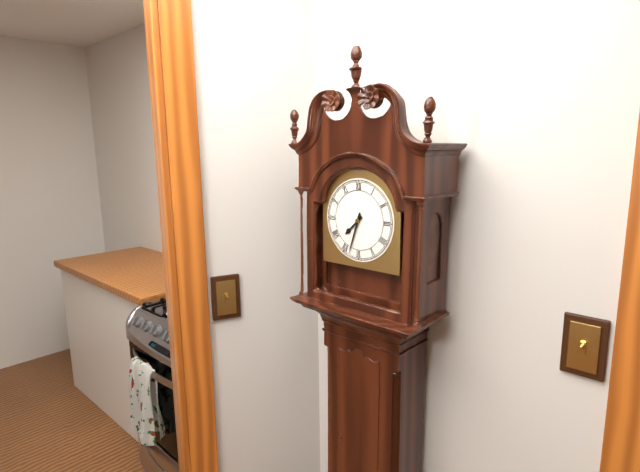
**7:33**
